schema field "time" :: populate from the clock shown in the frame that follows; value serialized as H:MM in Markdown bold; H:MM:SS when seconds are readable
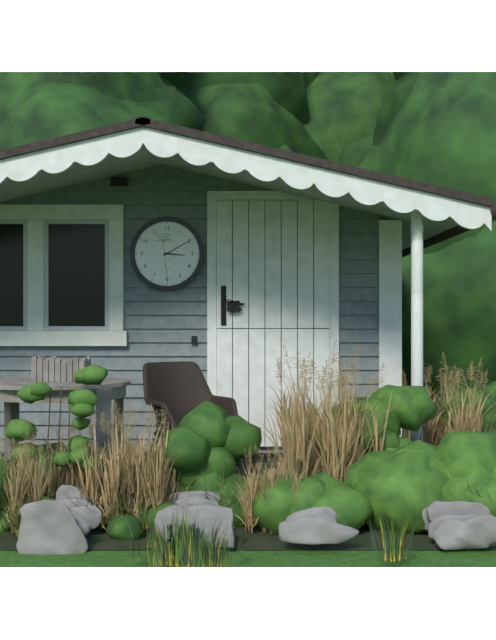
**3:10**
